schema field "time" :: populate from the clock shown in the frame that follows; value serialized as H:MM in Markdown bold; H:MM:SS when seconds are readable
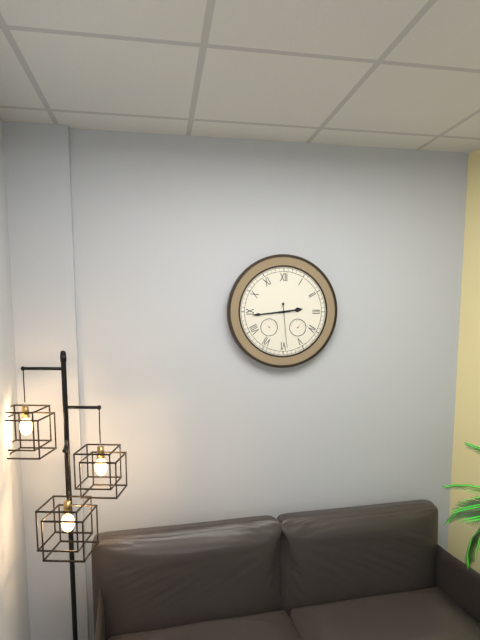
**2:44**
